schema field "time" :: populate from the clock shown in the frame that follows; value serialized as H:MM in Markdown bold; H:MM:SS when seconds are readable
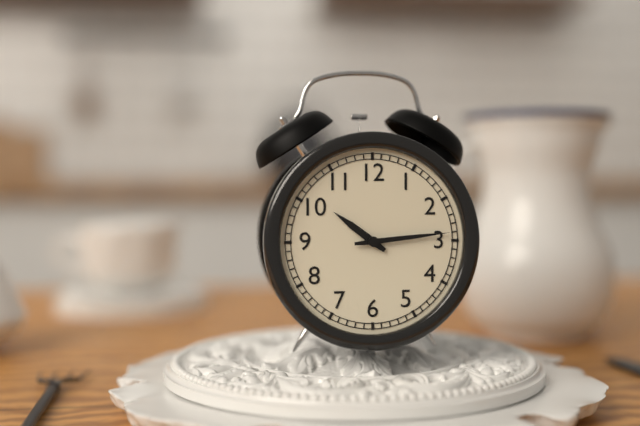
**10:14**
